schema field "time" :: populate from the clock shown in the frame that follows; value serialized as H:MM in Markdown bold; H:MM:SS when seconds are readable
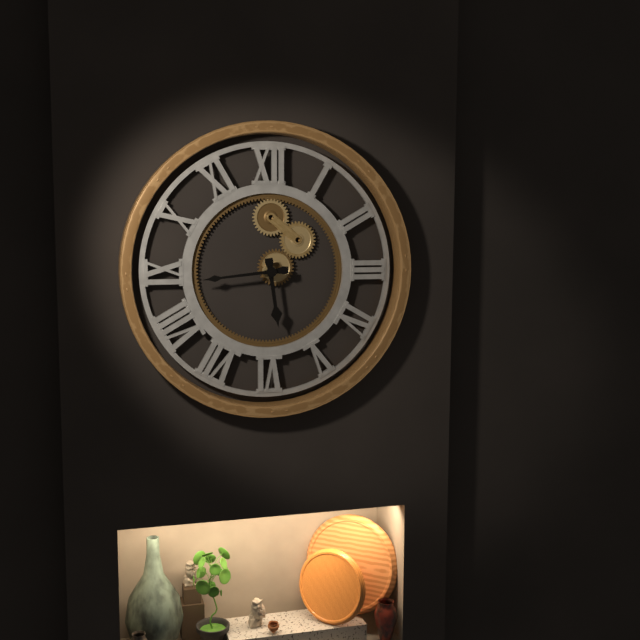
**5:44**
